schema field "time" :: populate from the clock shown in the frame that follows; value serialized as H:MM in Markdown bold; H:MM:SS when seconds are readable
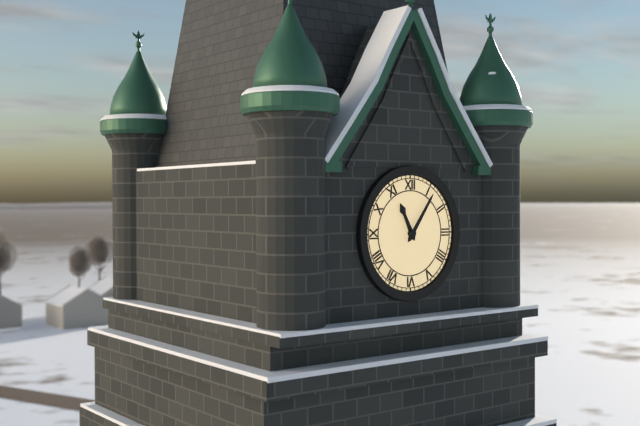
**11:06**
